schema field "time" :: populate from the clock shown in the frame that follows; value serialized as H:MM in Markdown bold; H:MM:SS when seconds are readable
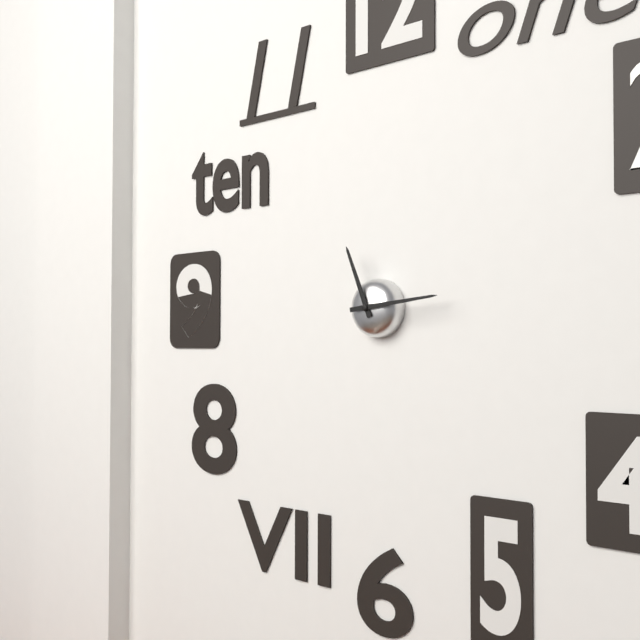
**11:14**
